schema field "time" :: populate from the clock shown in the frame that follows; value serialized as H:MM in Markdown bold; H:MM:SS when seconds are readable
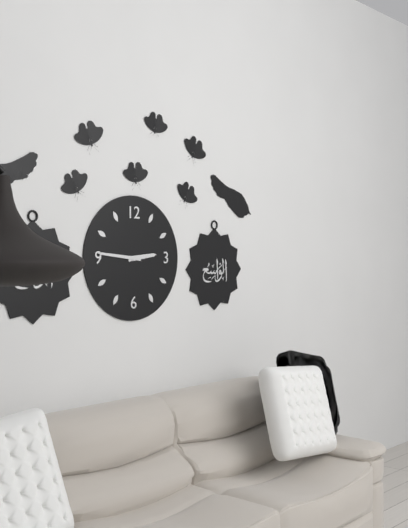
**2:46**
